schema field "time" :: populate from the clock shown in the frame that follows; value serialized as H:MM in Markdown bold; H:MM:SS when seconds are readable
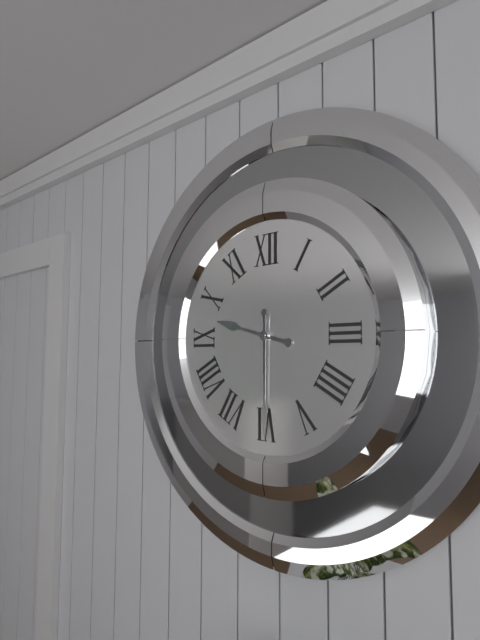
**9:30**
